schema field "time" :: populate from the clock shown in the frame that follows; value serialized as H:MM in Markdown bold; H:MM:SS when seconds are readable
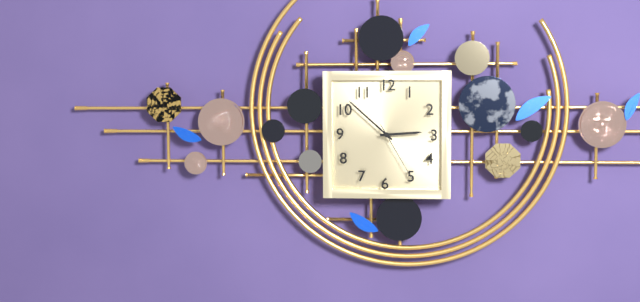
**2:52:25**
